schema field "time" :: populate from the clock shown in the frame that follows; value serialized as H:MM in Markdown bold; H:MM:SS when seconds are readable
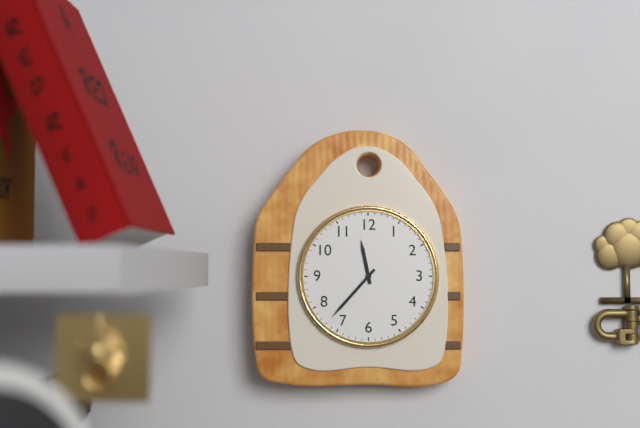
**11:37**
